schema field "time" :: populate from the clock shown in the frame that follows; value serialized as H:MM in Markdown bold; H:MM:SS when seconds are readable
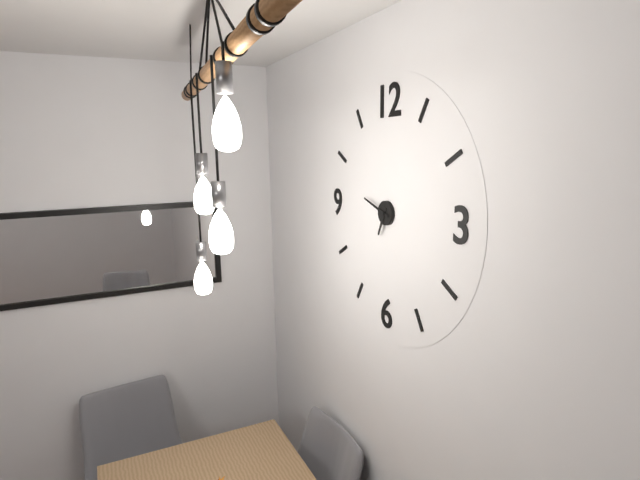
**6:48**
